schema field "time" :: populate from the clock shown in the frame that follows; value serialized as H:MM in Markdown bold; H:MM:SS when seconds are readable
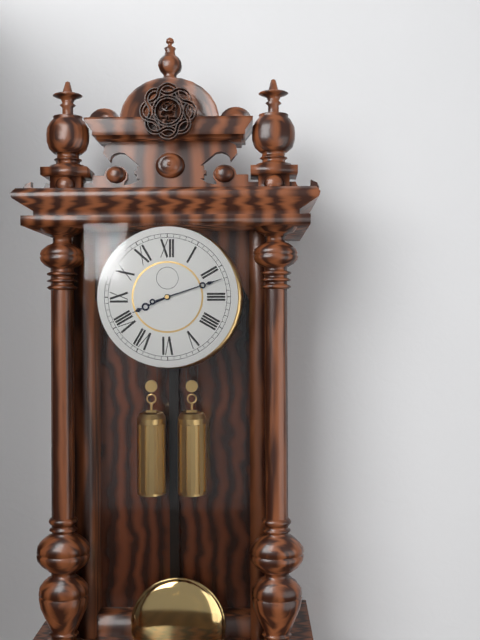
**8:12**
